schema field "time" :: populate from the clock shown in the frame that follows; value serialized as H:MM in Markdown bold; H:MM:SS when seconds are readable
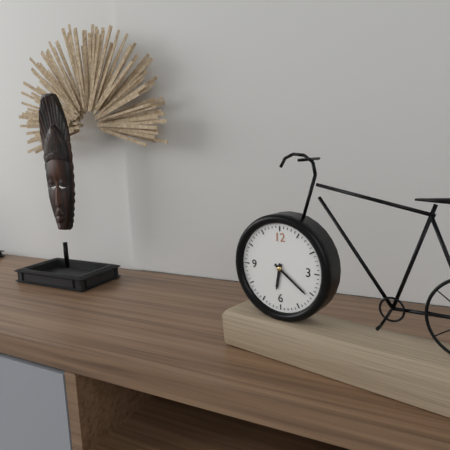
**6:21**
